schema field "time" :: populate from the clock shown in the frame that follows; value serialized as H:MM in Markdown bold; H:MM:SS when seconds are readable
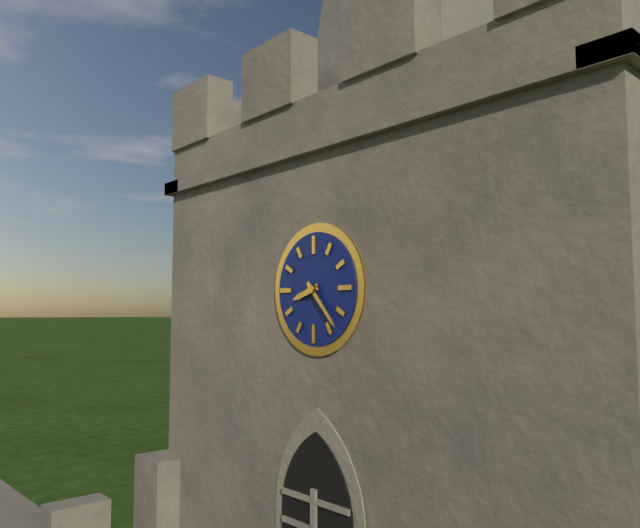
**8:23**
